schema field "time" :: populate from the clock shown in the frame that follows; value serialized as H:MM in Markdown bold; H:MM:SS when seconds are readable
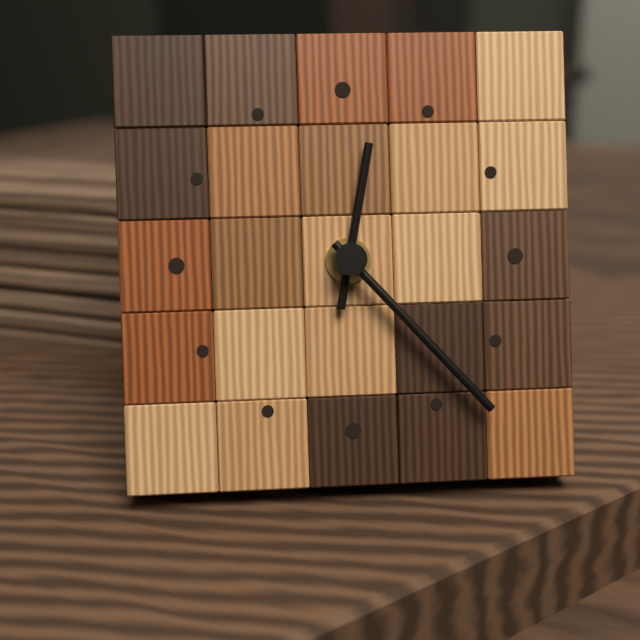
**12:23**
